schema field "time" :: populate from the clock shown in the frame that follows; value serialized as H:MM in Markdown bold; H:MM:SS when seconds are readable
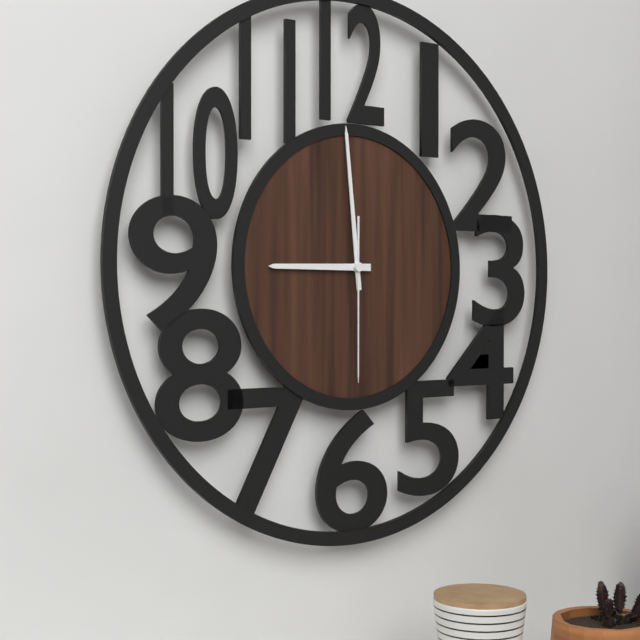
**8:59:30**
